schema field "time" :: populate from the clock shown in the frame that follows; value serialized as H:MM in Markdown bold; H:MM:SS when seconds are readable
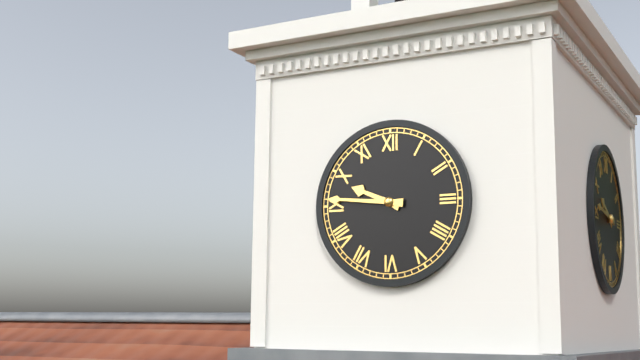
**9:46**
